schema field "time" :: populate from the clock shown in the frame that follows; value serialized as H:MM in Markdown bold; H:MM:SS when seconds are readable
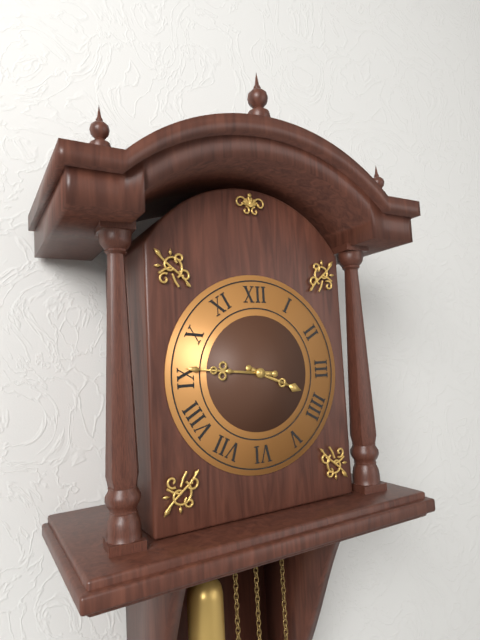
**3:46**
